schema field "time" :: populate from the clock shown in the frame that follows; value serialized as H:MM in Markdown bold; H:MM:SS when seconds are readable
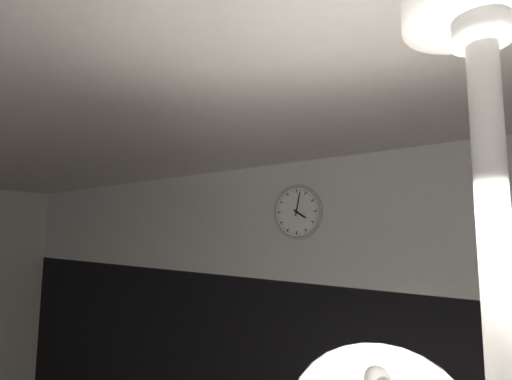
**4:02**
